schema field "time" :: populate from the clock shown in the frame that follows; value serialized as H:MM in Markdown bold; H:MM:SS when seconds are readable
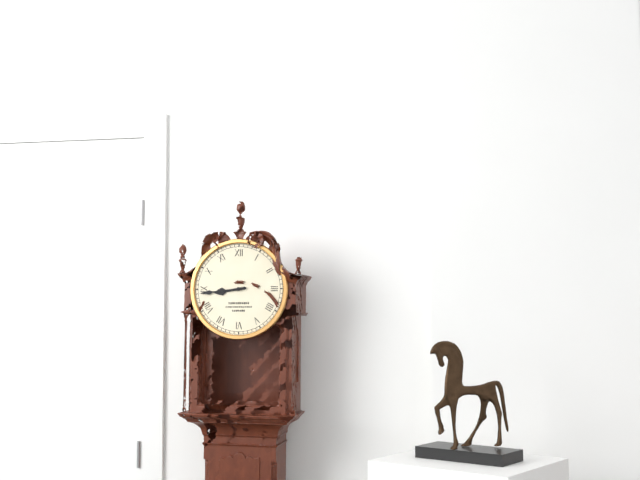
**8:44**
